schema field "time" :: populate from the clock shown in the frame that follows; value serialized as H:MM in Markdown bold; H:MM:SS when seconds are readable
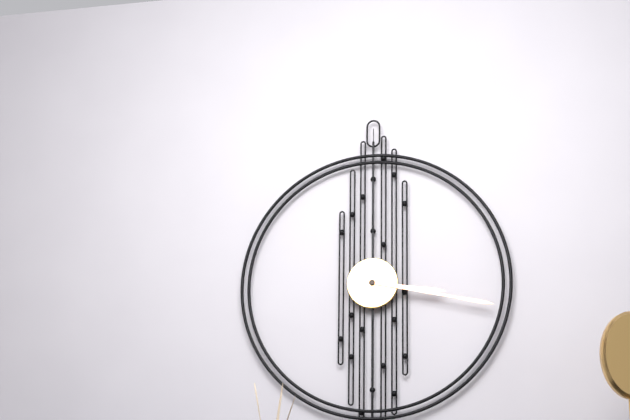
**3:17**
